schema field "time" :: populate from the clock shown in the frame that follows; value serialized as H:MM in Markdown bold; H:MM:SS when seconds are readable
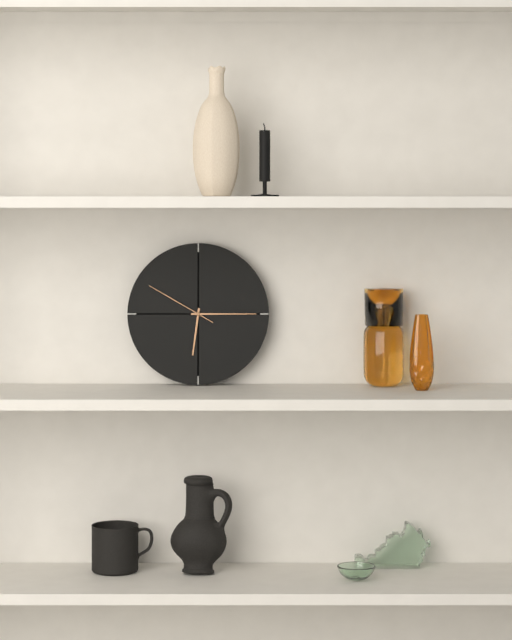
**6:15:50**
